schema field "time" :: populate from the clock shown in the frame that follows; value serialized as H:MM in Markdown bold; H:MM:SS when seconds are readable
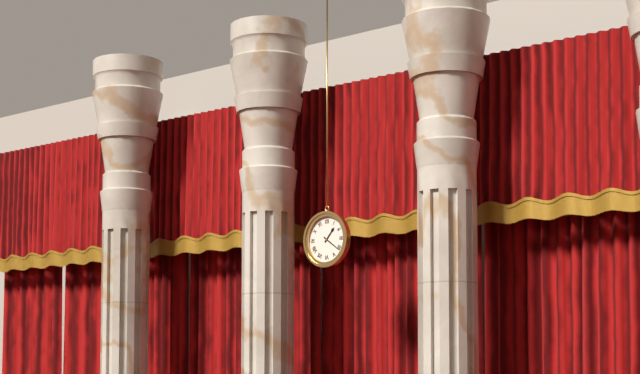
**1:21**
